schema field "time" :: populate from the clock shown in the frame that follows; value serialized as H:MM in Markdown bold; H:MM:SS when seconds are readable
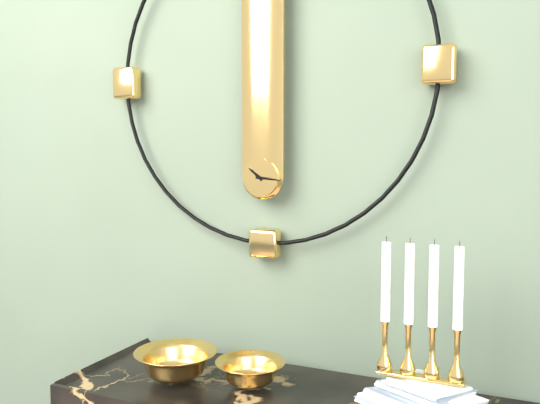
**10:16**
